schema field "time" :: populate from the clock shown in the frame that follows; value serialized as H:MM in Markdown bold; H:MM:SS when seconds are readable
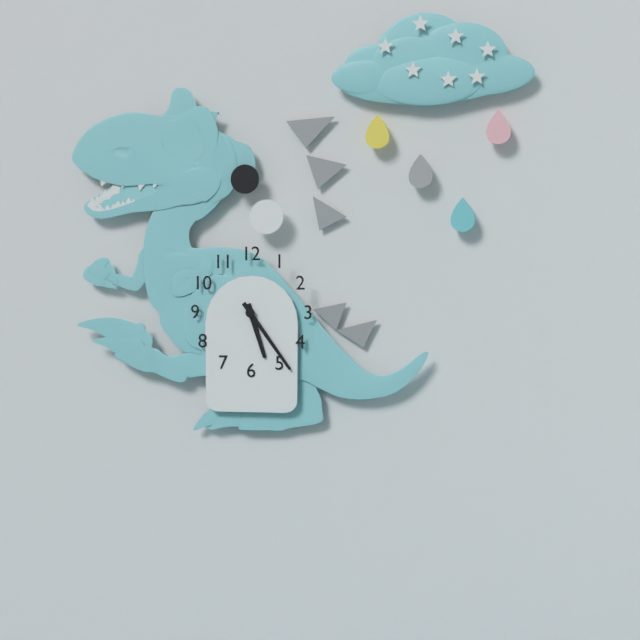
**5:24**
